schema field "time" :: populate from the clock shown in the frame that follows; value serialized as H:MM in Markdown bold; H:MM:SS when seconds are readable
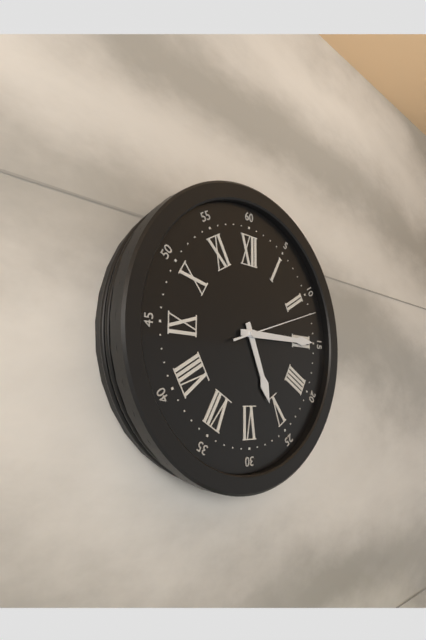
**5:15:12**
